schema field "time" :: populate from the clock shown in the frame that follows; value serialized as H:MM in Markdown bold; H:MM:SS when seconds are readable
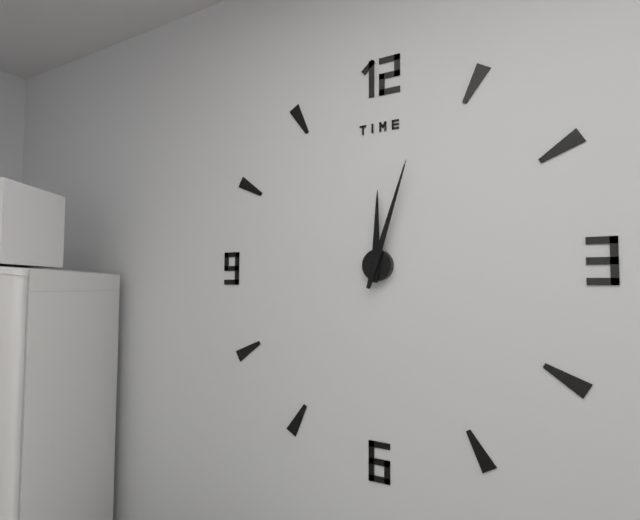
**12:03**
